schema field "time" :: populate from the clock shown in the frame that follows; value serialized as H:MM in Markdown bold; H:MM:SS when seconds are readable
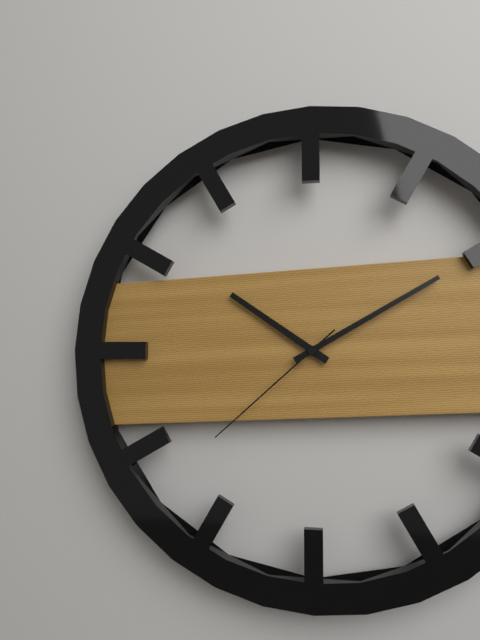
**10:10:38**
